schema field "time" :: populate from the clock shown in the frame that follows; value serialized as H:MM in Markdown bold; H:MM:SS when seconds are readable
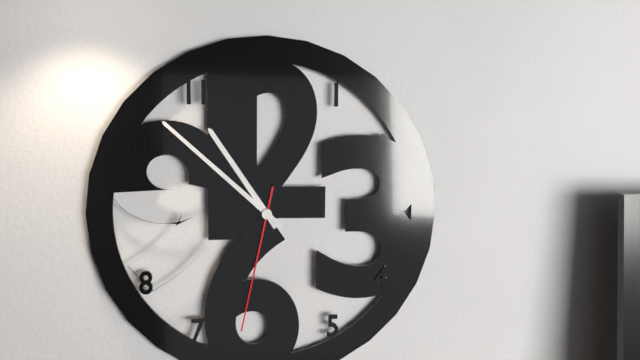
**10:52:32**
